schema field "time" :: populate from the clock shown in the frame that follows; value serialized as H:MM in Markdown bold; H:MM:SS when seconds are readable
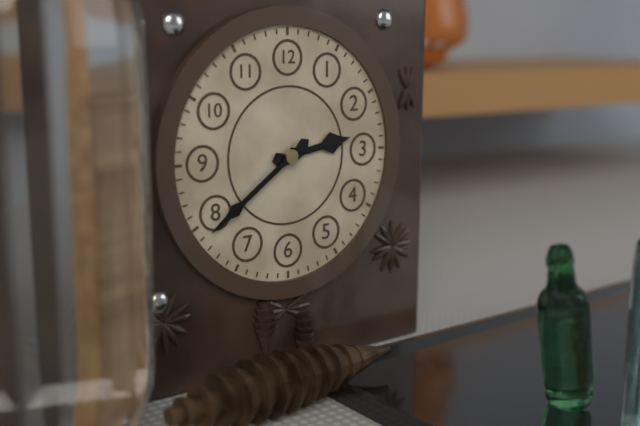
**2:39**
